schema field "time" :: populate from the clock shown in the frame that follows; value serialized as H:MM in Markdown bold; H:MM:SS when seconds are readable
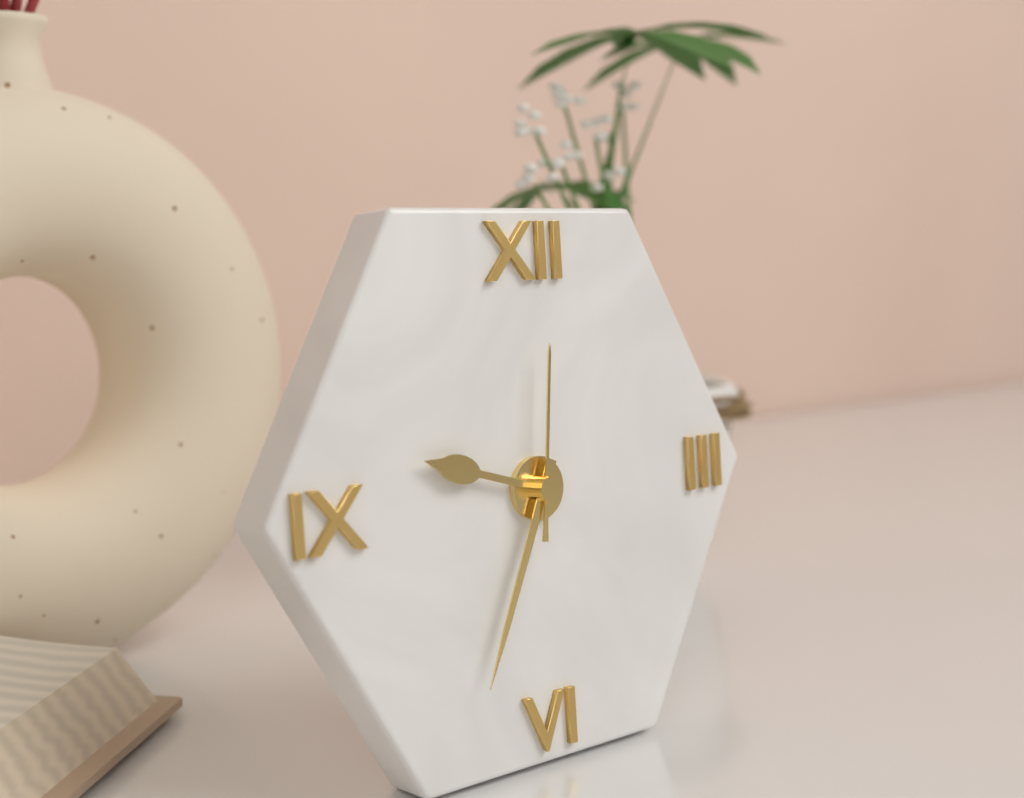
**9:34:01**
